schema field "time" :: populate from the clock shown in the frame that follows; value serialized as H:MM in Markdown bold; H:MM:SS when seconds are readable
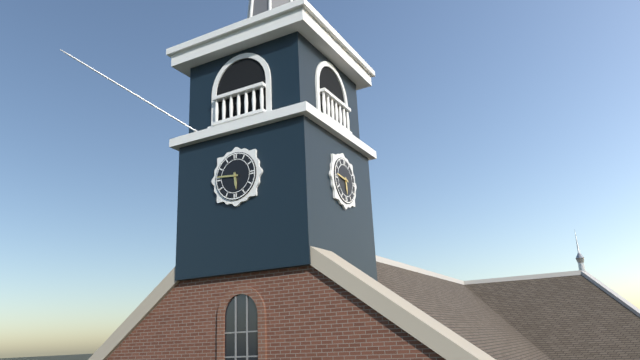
**5:46**
